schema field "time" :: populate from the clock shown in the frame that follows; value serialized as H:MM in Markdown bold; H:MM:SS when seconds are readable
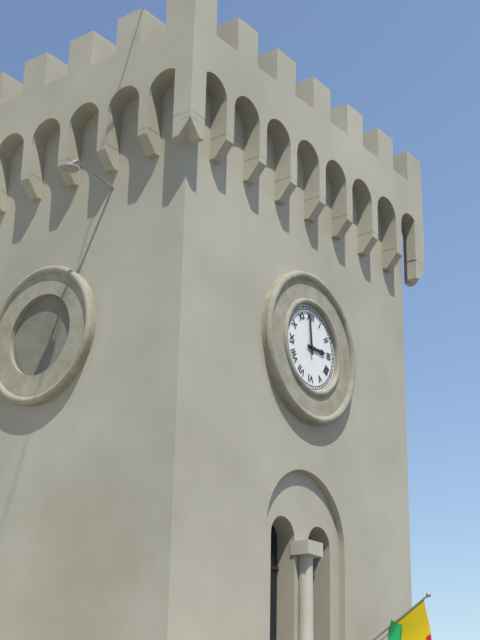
**2:59**
